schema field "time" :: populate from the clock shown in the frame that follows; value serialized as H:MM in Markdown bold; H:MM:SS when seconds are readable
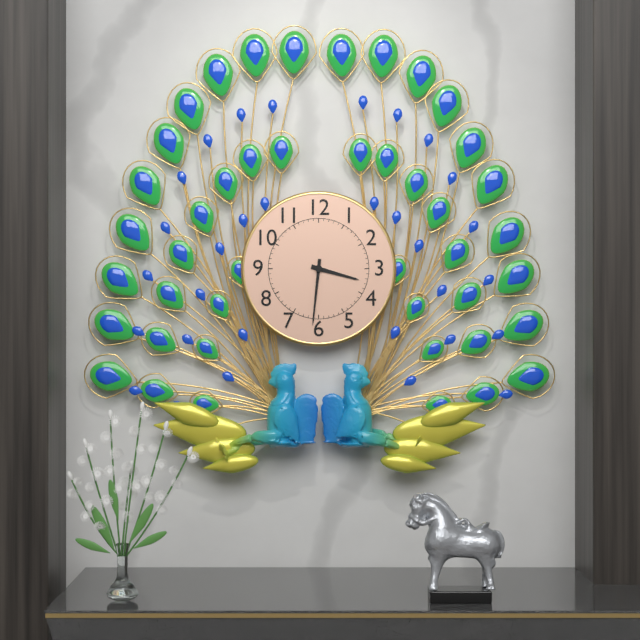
**3:31**
